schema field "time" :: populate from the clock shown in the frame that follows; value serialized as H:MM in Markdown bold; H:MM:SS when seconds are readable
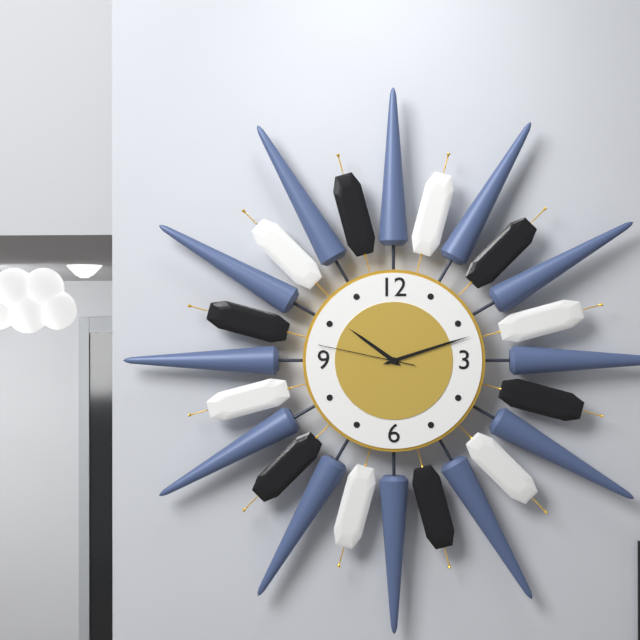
**10:12:47**
